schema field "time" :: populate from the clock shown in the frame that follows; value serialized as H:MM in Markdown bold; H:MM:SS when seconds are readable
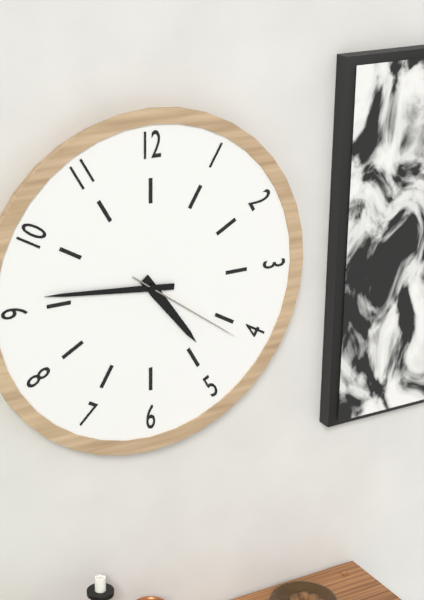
**4:46:21**
